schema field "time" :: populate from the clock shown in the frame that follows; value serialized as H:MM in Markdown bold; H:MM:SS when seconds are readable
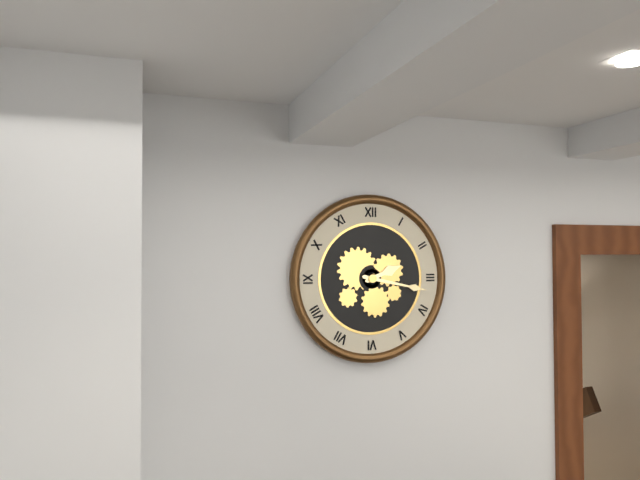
**2:17**
